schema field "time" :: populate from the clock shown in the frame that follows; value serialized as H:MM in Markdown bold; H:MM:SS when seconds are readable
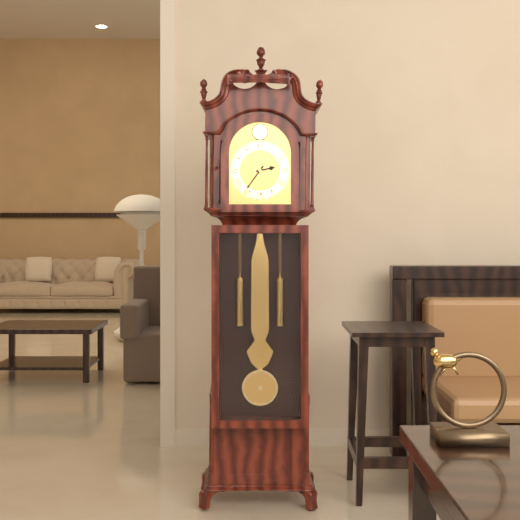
**2:36**
